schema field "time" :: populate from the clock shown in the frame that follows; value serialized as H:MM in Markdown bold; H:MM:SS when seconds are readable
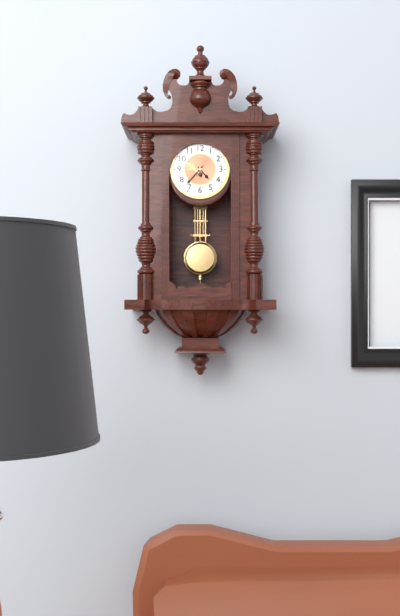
**4:37**
